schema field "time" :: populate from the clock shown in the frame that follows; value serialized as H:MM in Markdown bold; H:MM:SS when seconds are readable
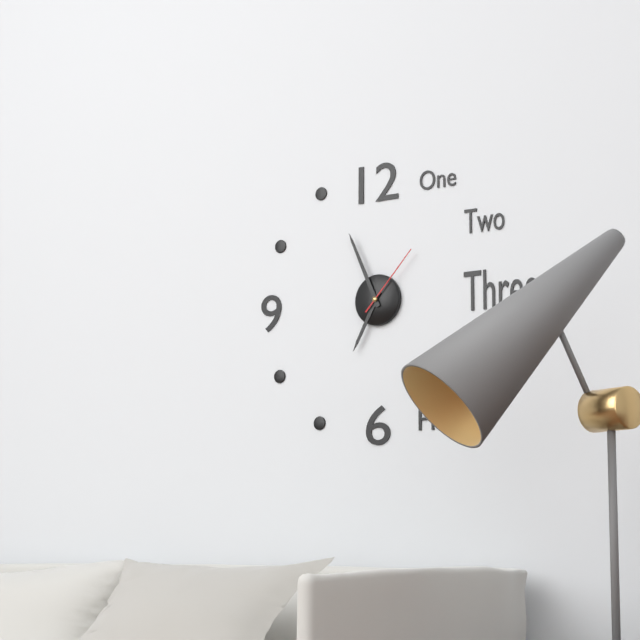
**6:56:07**
